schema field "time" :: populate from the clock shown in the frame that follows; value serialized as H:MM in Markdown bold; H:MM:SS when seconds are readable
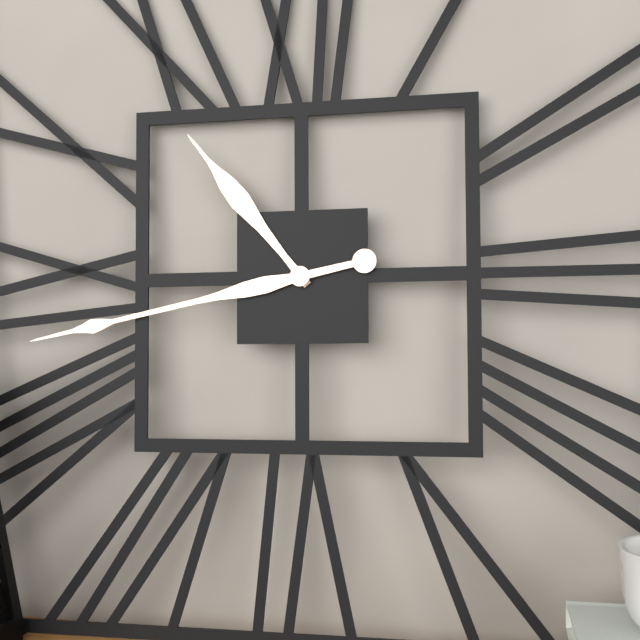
**10:43**
